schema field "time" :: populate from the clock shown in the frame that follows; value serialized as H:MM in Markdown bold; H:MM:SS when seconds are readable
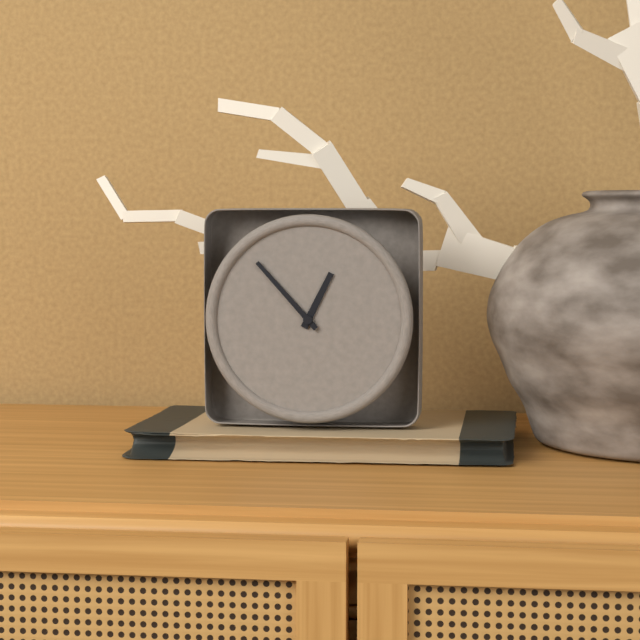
**12:53**
